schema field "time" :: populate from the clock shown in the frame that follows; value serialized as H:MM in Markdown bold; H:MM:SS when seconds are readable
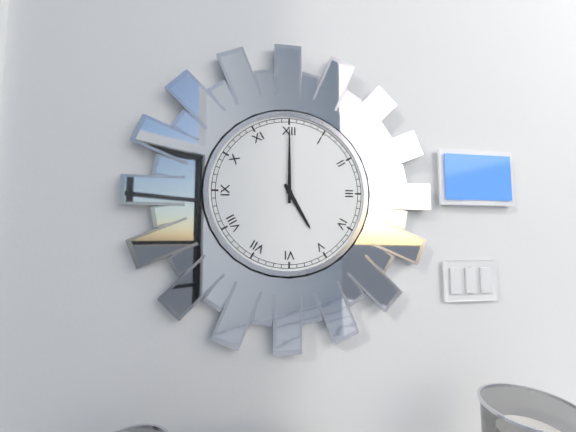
**5:00**
